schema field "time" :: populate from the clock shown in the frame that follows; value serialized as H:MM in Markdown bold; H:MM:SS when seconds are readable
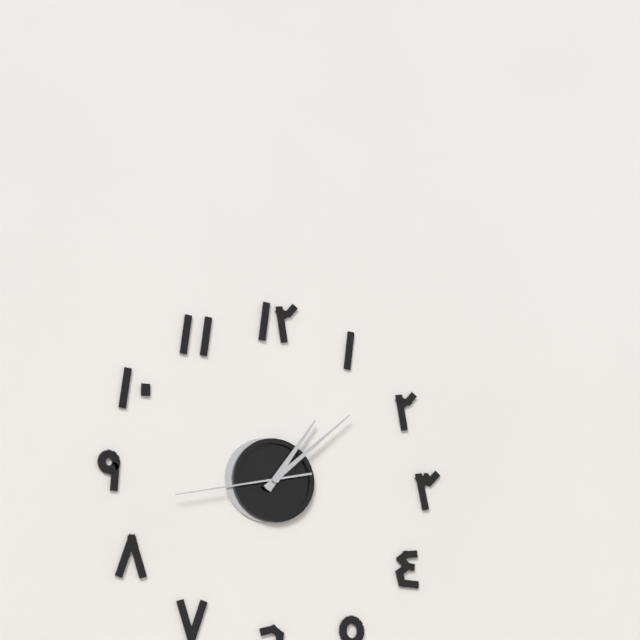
**1:08:43**
